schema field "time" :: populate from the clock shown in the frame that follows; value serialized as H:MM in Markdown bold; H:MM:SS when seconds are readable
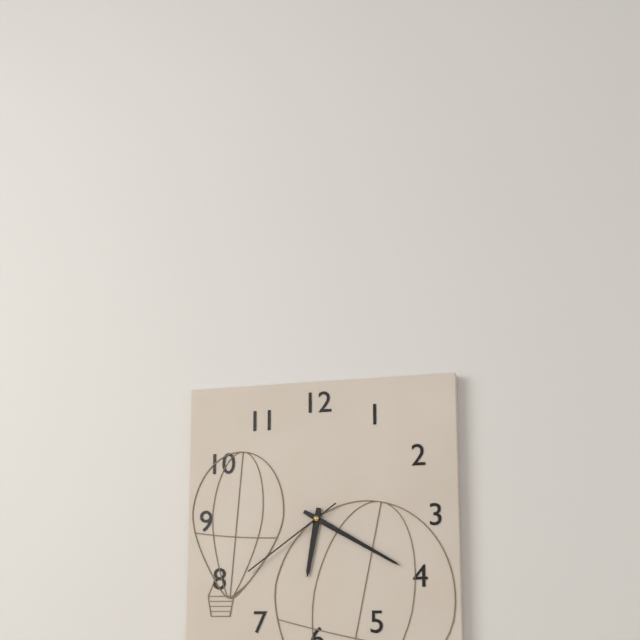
**6:20:39**
